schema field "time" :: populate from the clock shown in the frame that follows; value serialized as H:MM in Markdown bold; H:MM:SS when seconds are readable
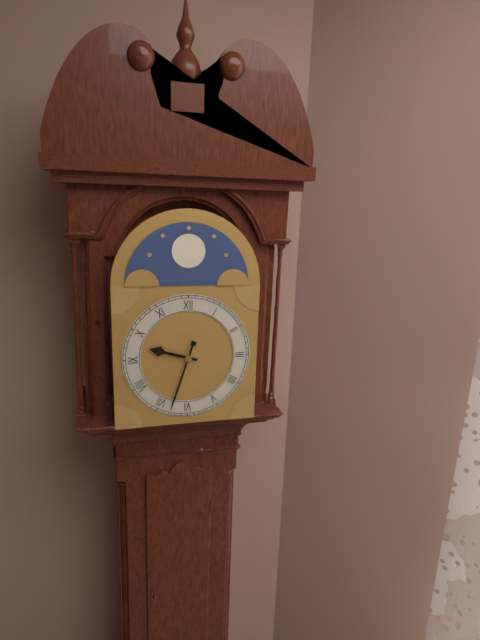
**9:33**
